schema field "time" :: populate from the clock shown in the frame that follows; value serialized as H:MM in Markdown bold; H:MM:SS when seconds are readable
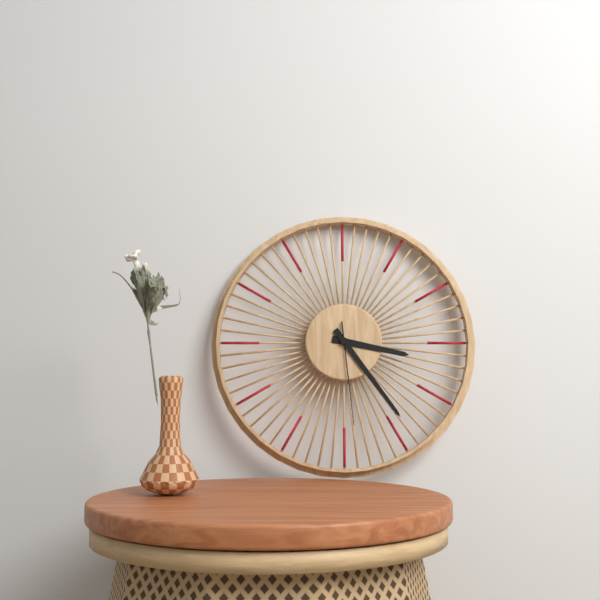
**3:24:29**
